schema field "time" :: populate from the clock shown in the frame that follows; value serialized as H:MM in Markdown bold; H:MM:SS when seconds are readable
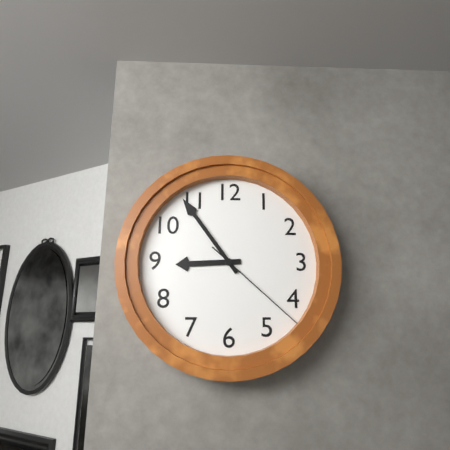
**8:54:22**
